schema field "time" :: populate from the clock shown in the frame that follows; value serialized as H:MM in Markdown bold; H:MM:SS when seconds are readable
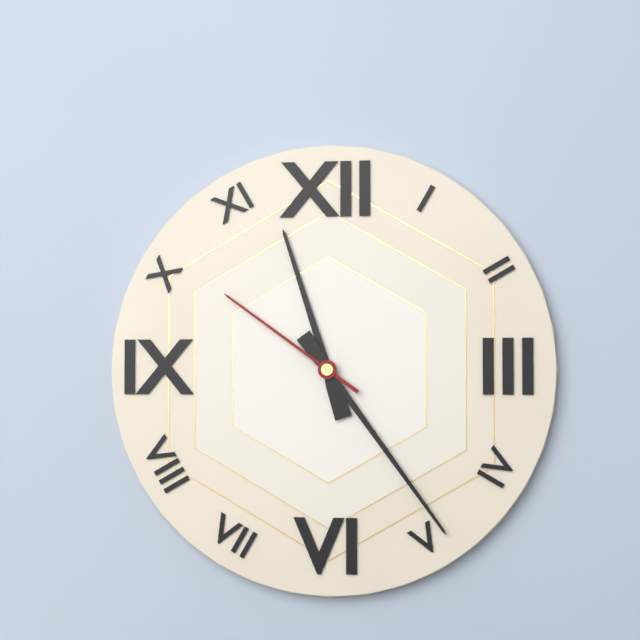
**11:24:51**
